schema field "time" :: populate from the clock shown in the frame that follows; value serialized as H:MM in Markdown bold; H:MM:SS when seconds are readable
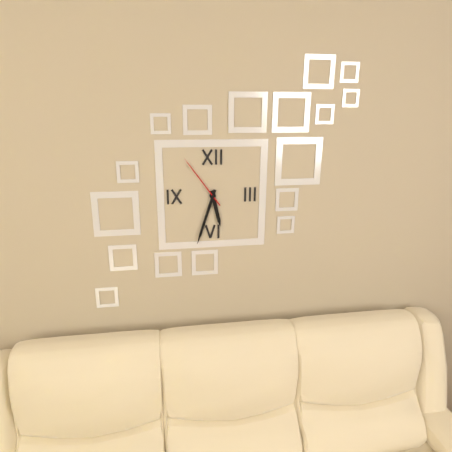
**5:33:54**
